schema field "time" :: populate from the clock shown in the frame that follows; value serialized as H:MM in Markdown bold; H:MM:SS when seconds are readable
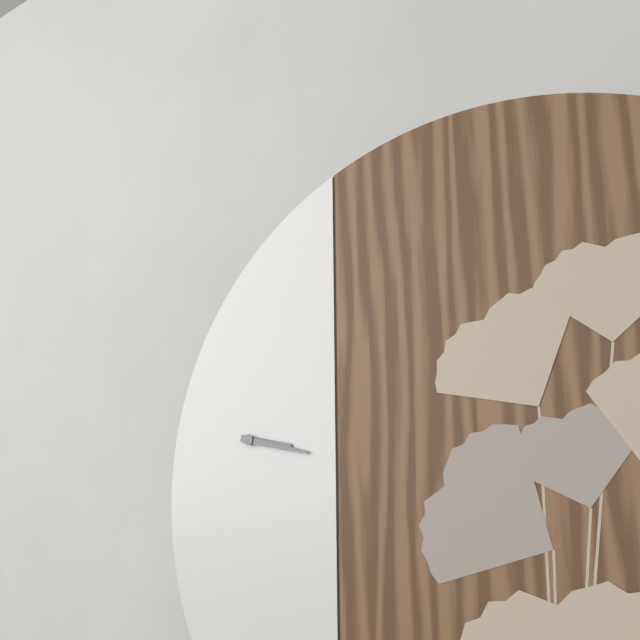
**3:17**
